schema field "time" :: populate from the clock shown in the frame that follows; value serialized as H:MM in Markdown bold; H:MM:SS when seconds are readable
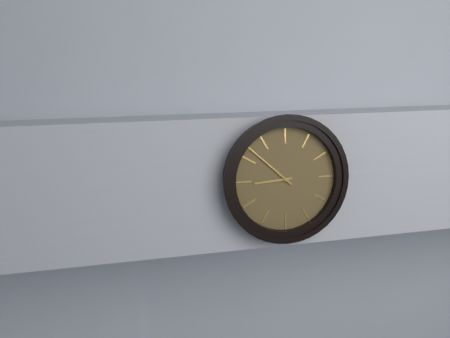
**8:52**
